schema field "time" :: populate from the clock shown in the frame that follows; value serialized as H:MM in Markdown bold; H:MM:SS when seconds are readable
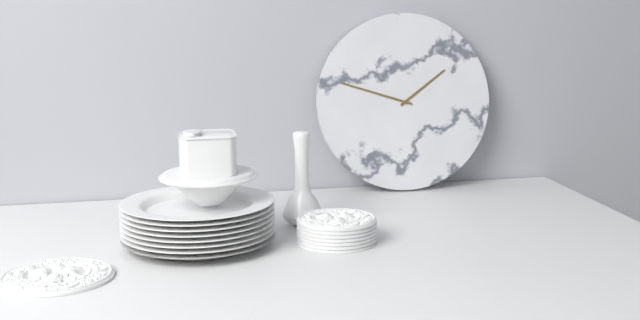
**1:48**
